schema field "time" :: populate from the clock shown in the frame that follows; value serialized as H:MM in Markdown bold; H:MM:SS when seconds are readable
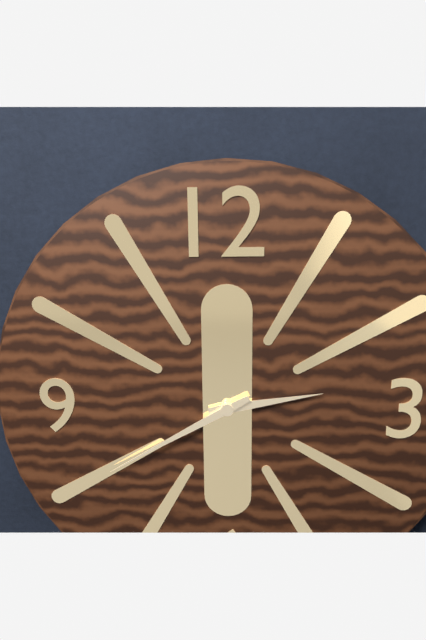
**2:40**
